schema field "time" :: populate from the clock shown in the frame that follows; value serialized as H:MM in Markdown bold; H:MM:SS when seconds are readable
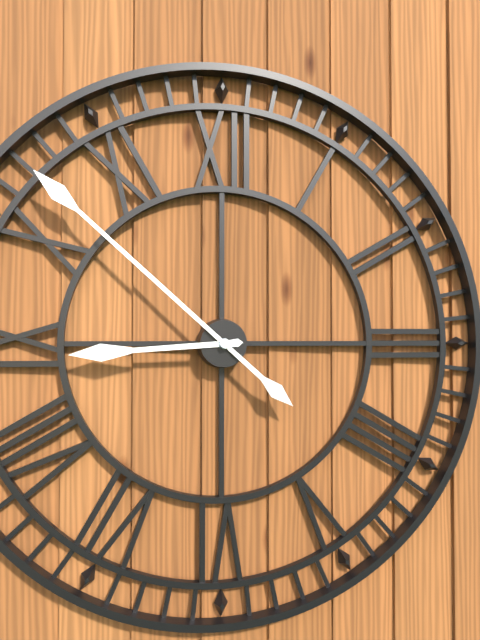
**8:52**
